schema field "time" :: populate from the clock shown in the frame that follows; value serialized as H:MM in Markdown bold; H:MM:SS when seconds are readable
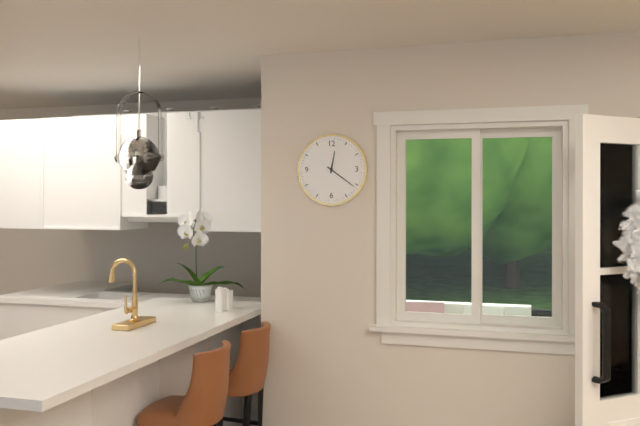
**12:21**
